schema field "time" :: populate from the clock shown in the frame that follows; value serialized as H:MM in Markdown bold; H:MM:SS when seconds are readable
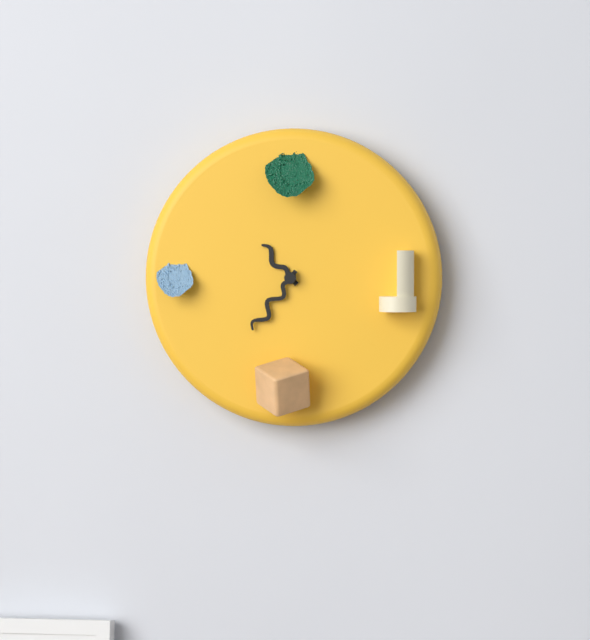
**10:36**
